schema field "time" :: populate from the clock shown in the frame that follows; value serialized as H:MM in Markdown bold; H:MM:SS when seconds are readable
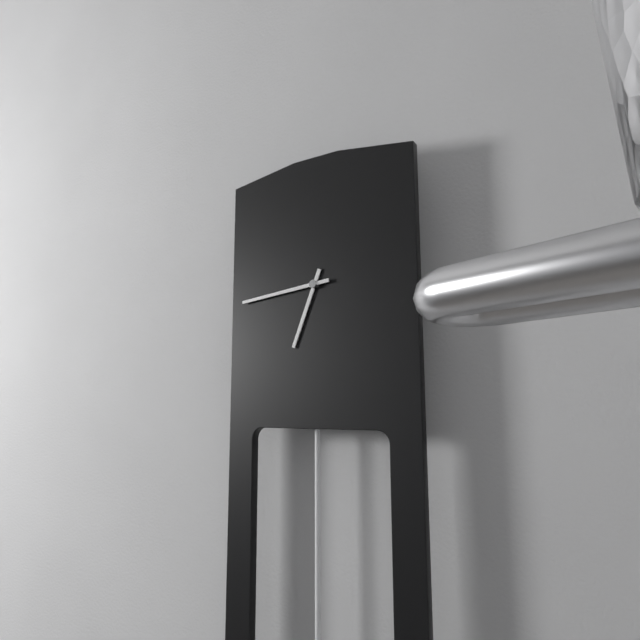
**6:44**
